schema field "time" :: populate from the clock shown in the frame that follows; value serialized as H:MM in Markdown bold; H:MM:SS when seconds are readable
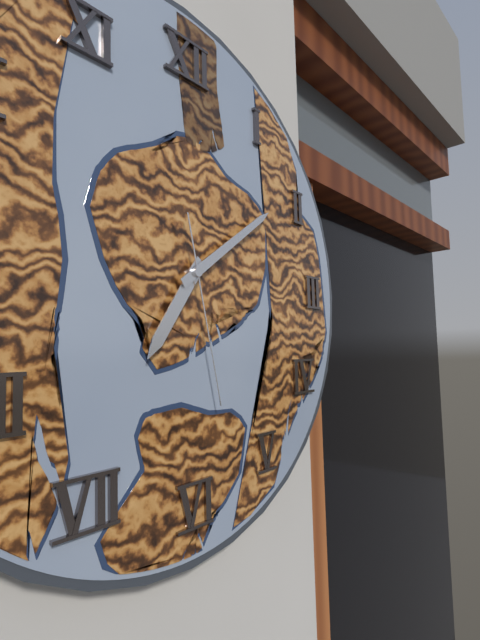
**7:09:28**
